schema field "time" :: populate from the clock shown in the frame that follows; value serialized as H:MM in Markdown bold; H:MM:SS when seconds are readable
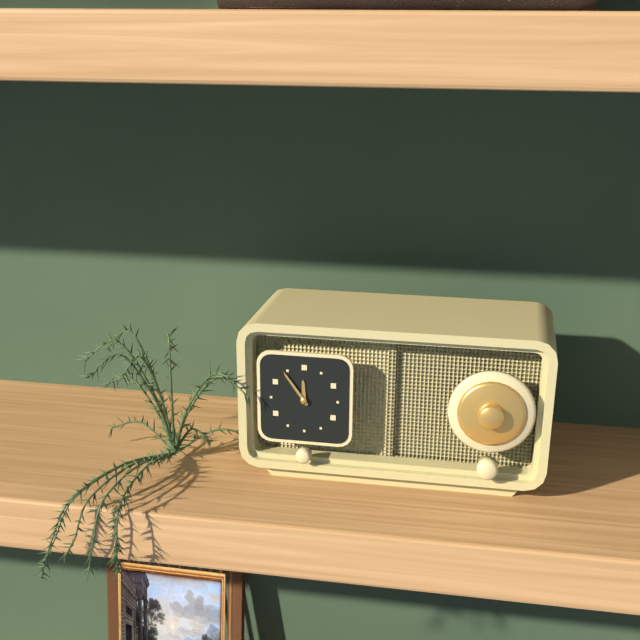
**11:54**
